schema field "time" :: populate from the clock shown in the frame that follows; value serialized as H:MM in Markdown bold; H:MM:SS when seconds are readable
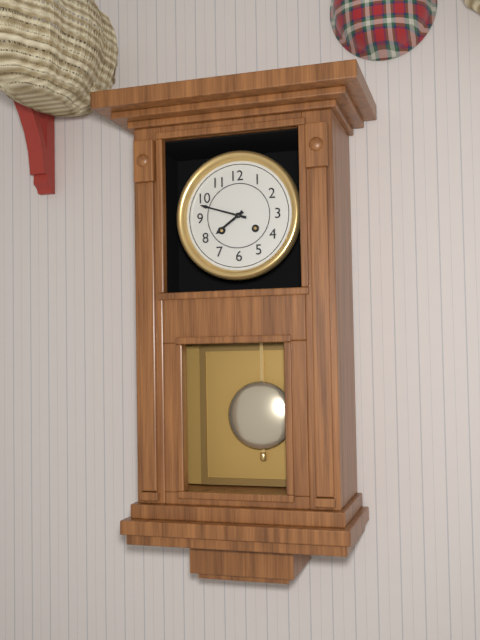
**7:48**
